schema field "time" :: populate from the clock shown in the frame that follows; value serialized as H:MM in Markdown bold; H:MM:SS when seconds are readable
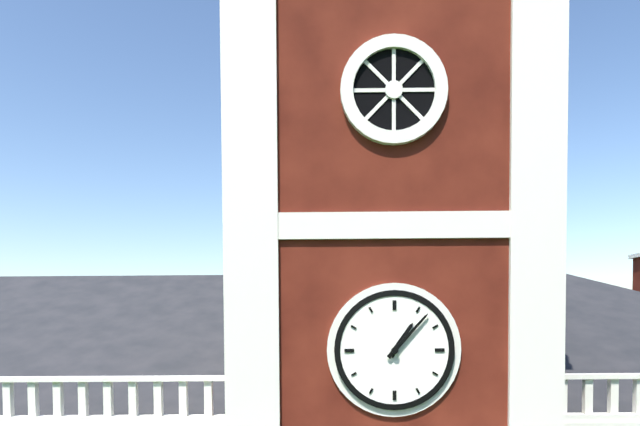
**1:07**
